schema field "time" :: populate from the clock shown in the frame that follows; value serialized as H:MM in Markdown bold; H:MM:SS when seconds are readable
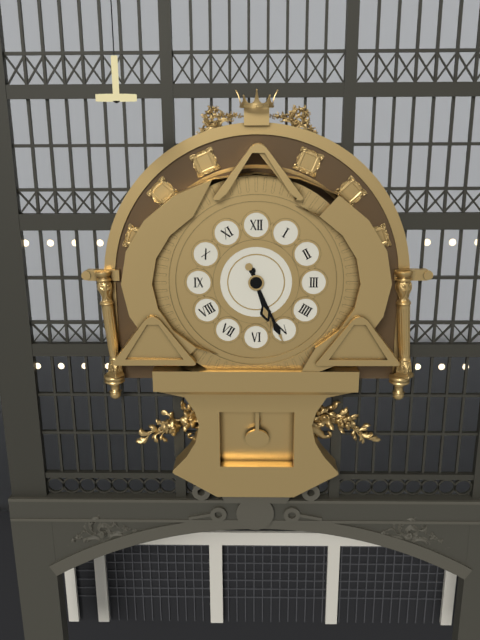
**5:26**
